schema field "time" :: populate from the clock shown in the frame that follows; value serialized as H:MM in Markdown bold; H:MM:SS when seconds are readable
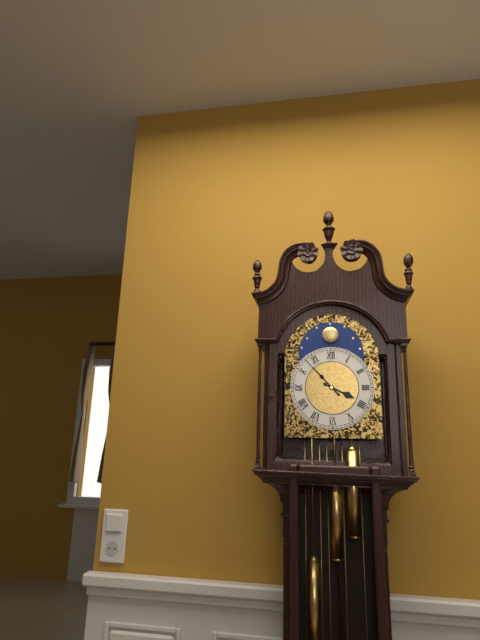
**3:53**
